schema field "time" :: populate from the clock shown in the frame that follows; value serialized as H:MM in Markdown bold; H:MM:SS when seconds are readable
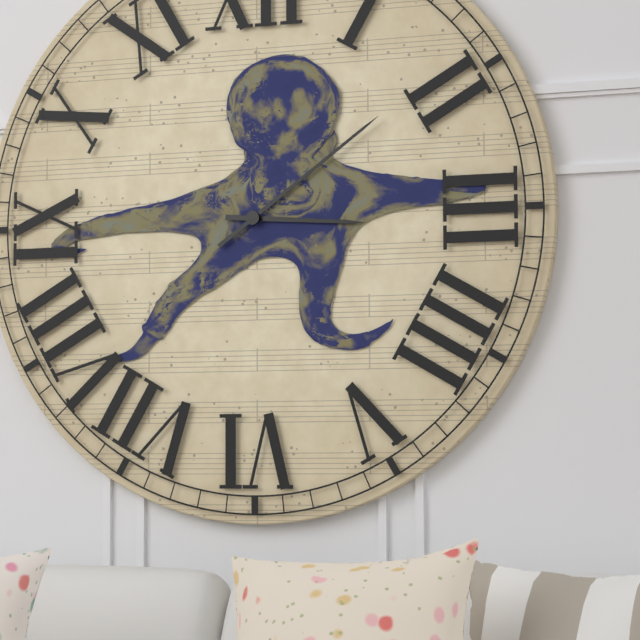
**3:09**
